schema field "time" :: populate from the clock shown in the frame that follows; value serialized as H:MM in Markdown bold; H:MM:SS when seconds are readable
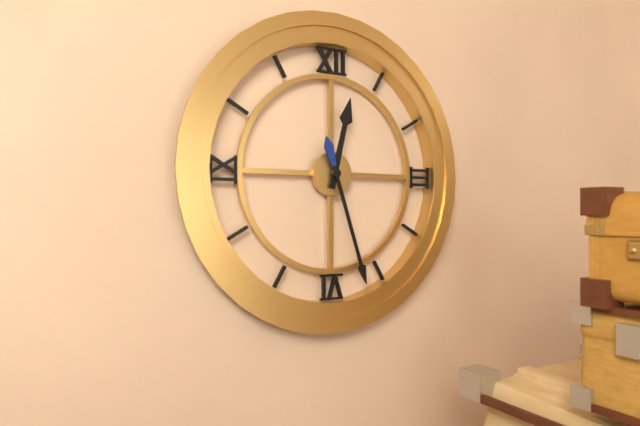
**12:27**
